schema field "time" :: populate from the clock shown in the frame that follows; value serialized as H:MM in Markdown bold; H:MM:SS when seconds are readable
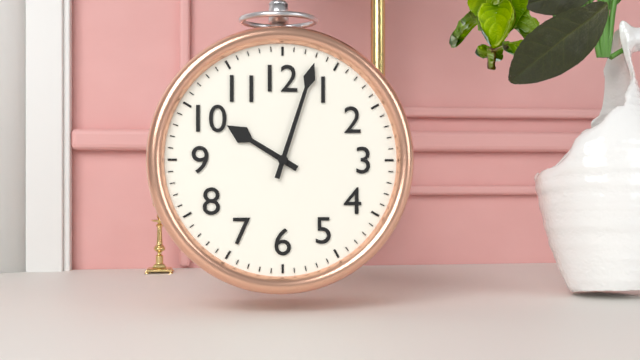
**10:03**
